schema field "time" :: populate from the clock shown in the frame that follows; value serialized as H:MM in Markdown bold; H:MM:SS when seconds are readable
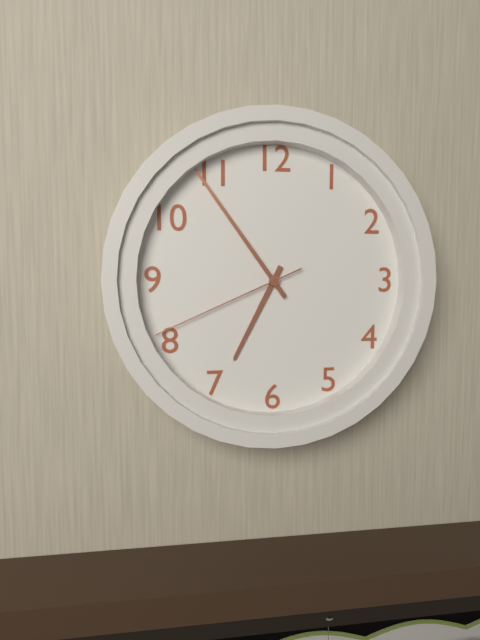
**6:54:41**
